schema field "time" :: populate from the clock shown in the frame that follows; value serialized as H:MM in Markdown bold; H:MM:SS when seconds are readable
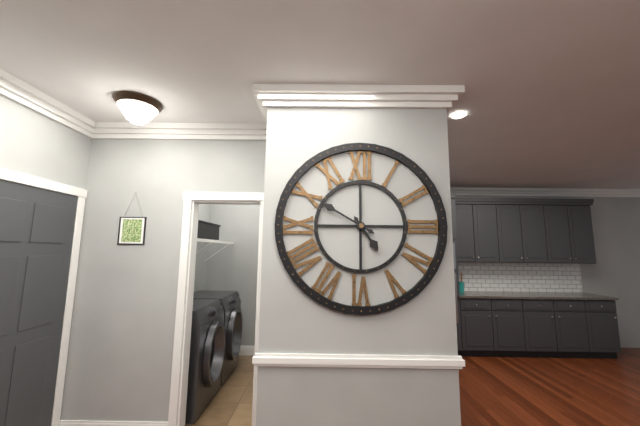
**4:50**
